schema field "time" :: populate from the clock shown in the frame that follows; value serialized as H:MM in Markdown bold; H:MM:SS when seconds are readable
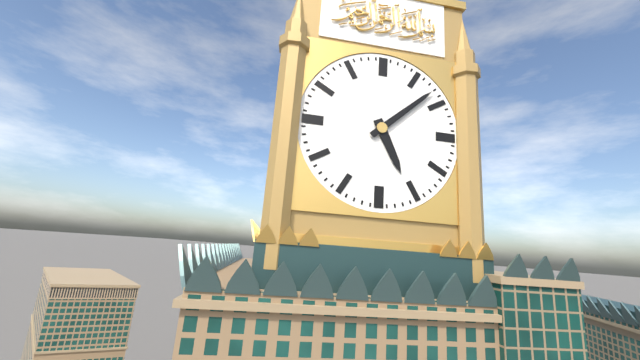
**5:08**
